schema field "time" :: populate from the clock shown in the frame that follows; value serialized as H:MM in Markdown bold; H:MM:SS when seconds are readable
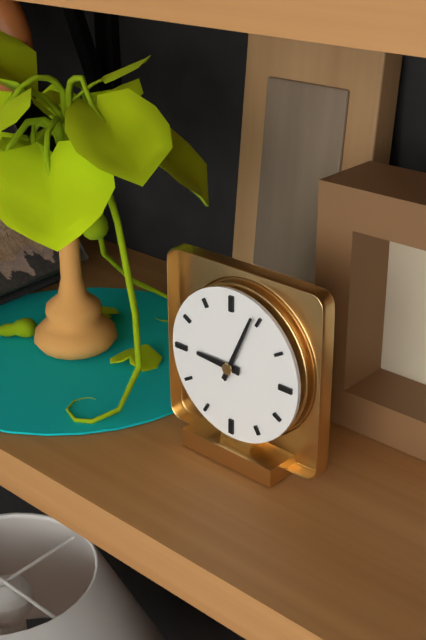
**9:04**
